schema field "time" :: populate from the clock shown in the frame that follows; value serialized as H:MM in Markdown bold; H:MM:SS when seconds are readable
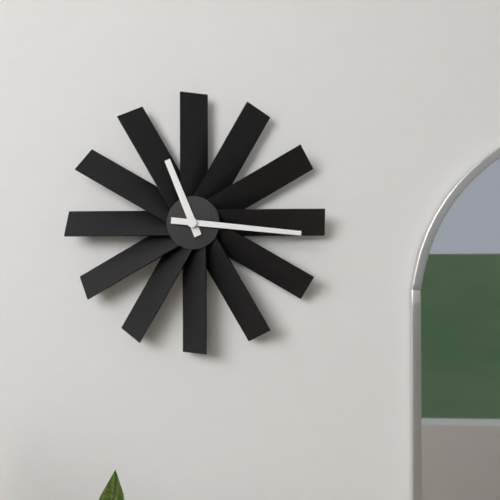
**11:16**
